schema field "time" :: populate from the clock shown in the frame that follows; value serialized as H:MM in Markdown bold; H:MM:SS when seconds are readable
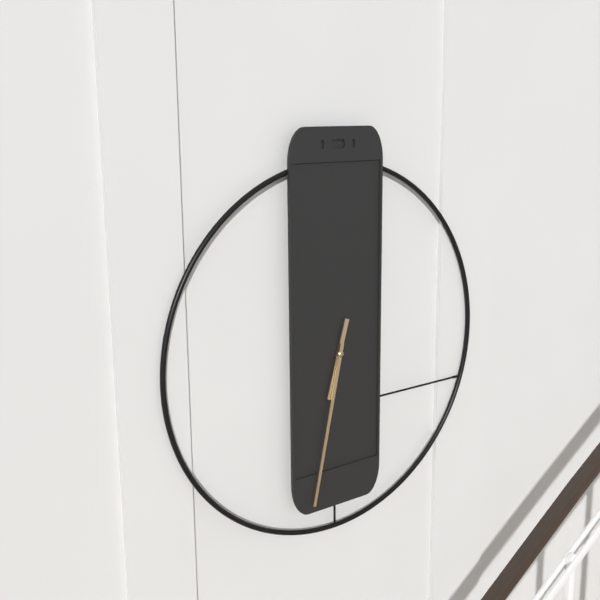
**6:32**
